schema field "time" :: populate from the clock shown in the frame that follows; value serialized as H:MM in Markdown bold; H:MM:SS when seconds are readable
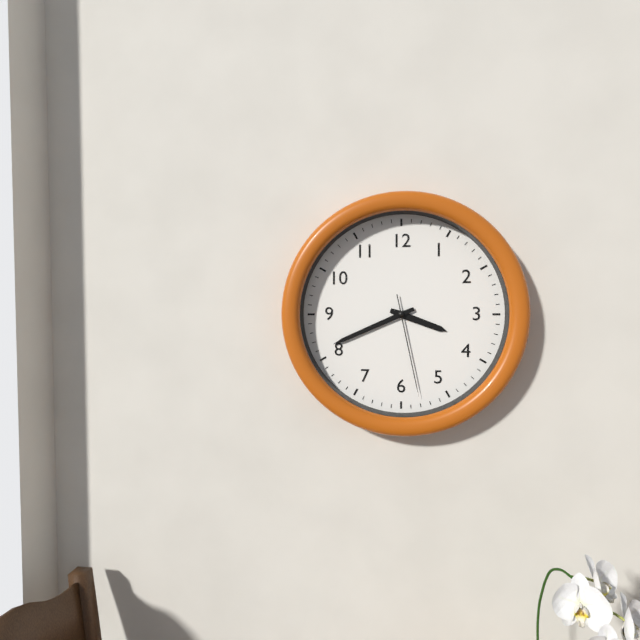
**3:41:28**
